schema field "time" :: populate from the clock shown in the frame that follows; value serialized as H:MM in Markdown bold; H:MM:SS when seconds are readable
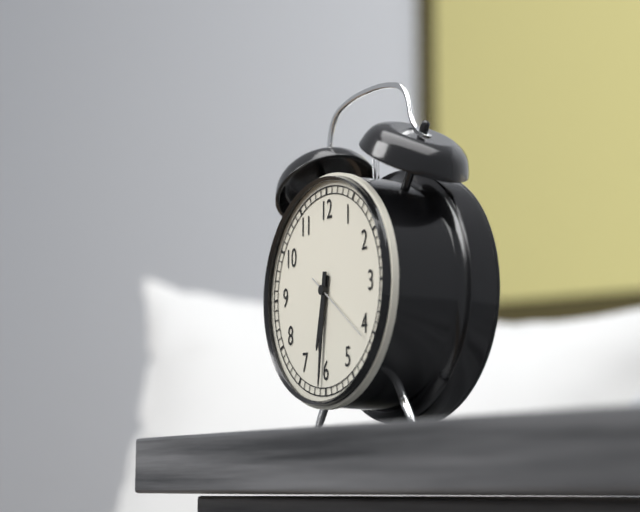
**6:31:21**
